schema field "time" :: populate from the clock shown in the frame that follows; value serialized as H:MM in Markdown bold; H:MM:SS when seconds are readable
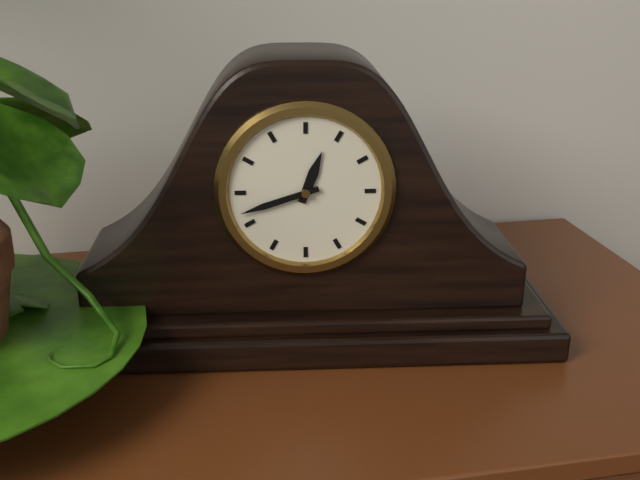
**12:42**
